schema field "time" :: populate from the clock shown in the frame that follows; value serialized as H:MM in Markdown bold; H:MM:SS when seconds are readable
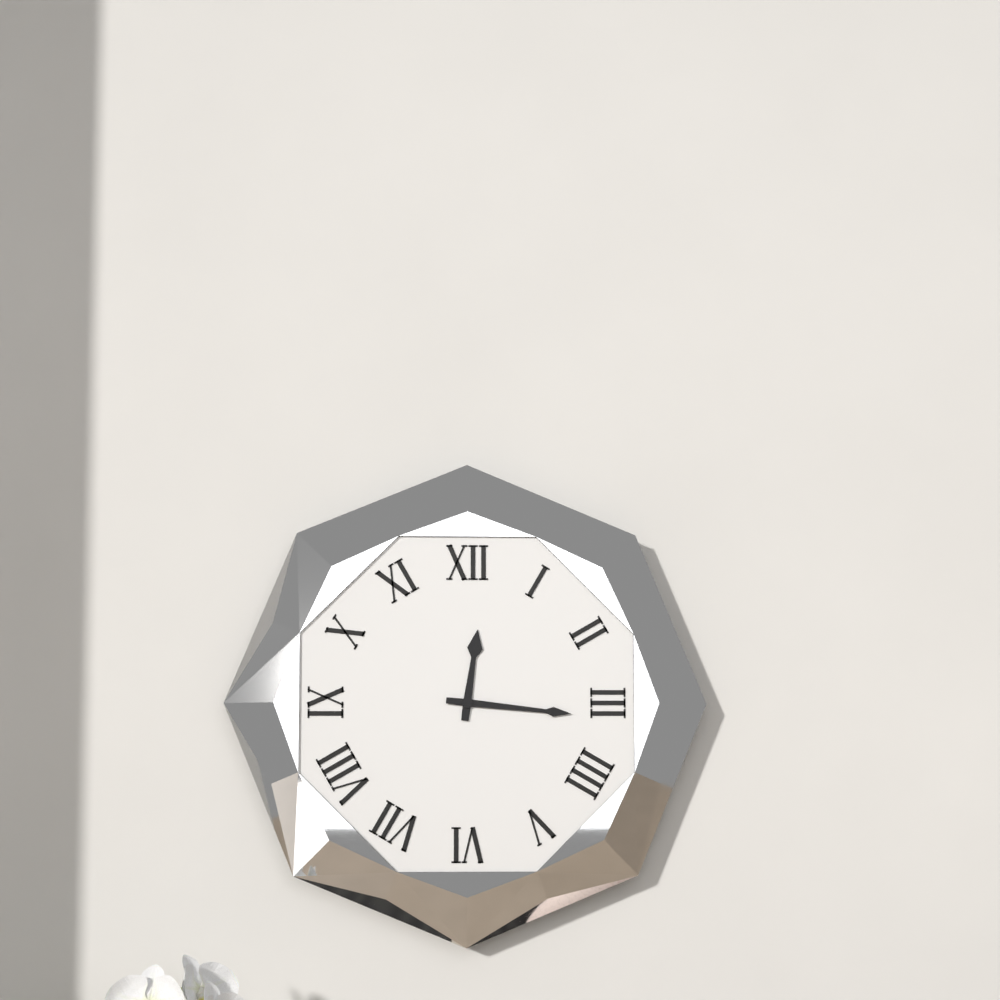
**12:16**
